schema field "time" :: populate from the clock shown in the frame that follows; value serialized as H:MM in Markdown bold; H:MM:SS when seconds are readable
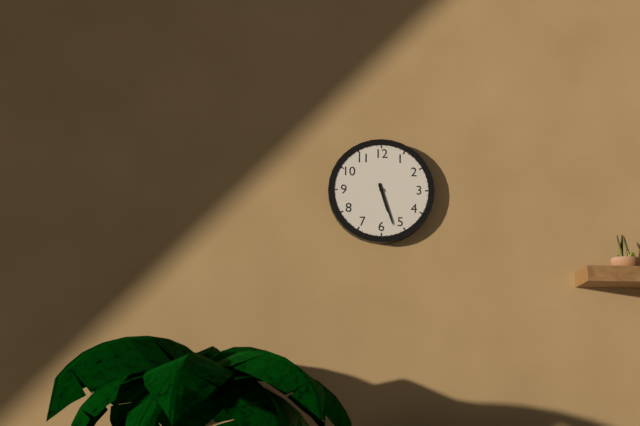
**5:27**
